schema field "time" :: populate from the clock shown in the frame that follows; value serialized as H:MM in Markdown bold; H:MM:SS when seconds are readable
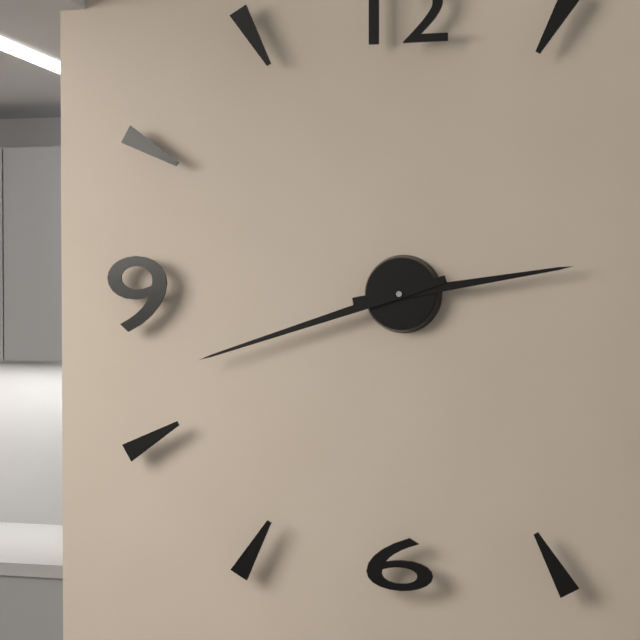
**2:42**
